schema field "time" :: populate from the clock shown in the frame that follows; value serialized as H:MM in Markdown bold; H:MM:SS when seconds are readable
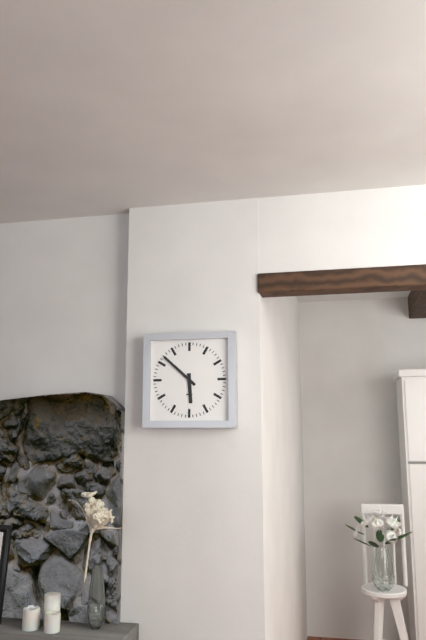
**5:52**
